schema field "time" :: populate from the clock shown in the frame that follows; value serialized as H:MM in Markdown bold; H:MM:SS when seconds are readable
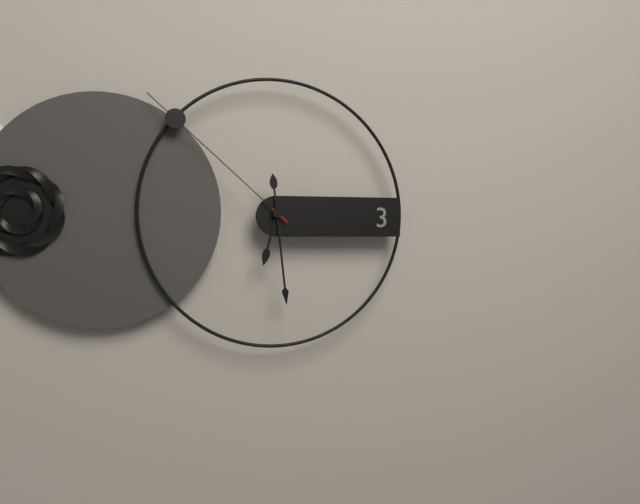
**6:29:52**
